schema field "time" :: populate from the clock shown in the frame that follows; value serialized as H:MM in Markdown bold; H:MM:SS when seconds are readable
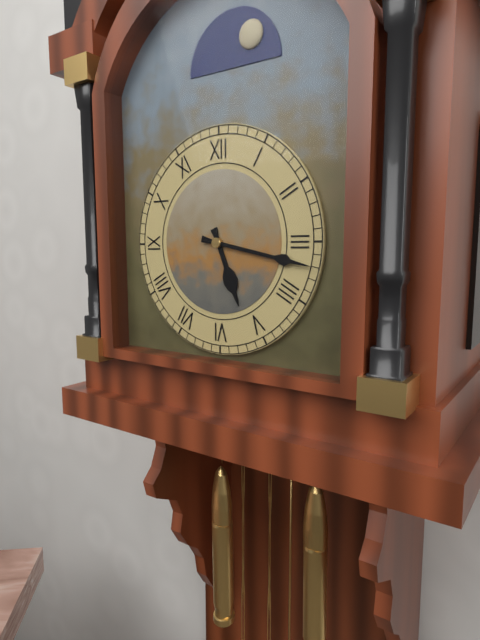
**5:17**
